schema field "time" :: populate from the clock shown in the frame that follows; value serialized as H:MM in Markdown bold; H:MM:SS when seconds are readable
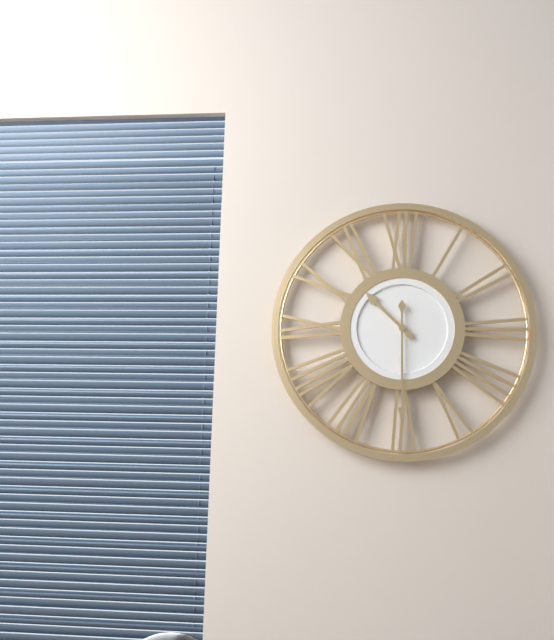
**10:30**
